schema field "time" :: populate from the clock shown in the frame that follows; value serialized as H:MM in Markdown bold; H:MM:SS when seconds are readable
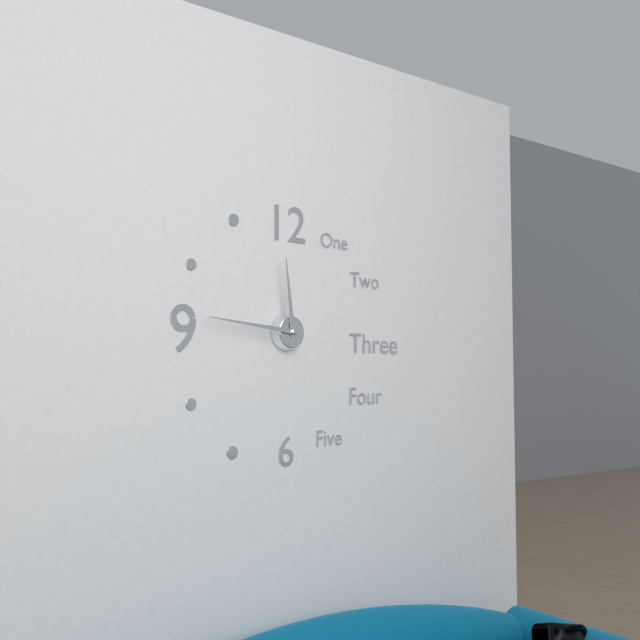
**11:46**
